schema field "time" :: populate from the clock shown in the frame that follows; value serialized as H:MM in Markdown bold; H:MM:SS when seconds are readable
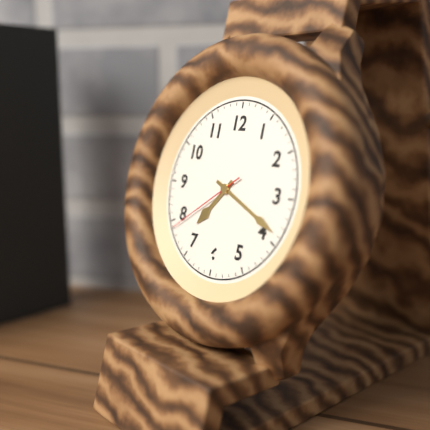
**7:19:39**
